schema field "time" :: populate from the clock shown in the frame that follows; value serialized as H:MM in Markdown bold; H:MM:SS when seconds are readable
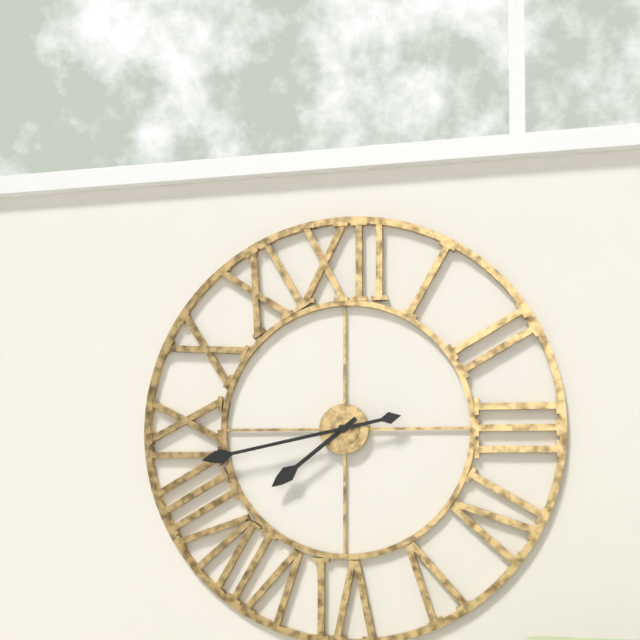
**7:43**
